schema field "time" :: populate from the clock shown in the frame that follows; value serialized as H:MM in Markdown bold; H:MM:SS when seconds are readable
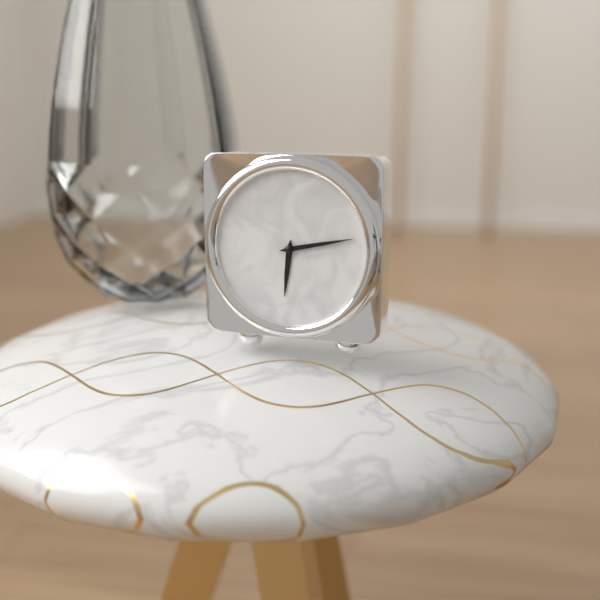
**6:13**
